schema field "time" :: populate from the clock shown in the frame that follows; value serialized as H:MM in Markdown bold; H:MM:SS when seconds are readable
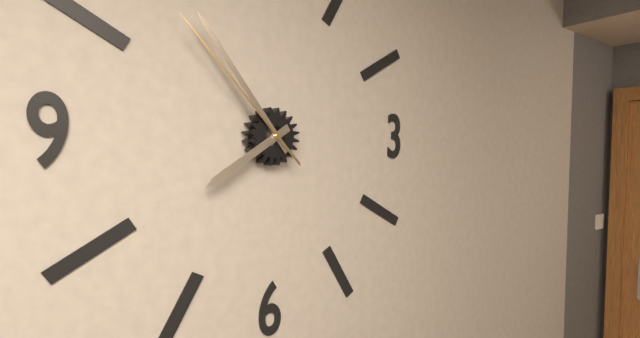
**7:54:53**
